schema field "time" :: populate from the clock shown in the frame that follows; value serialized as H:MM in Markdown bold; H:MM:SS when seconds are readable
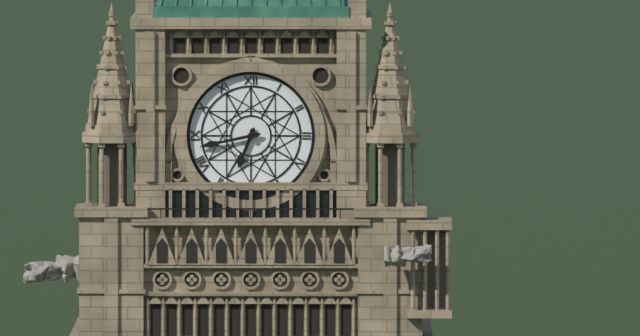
**6:43**
